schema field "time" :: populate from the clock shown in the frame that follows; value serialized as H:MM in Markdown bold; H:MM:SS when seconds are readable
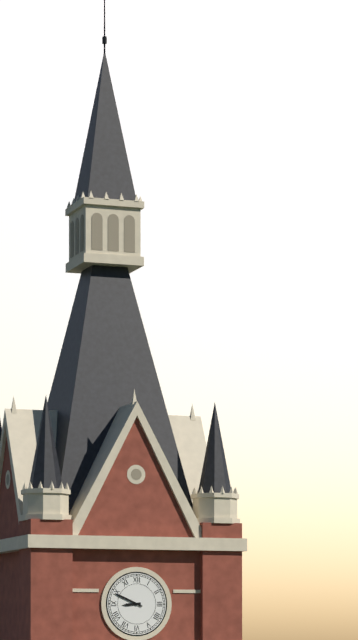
**8:49**
